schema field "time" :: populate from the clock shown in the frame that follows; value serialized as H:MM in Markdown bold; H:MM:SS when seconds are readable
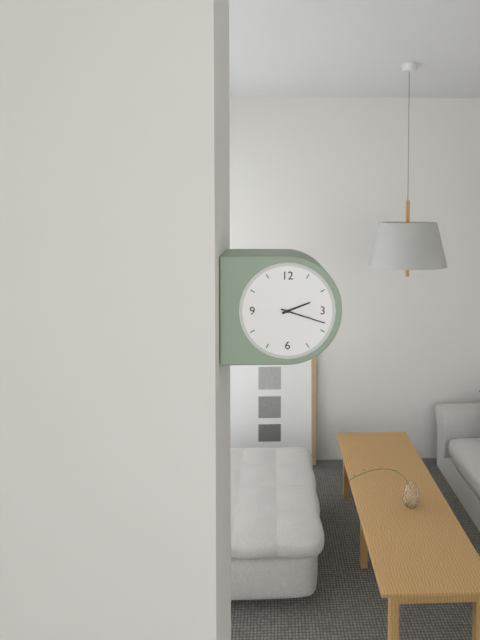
**2:18**
